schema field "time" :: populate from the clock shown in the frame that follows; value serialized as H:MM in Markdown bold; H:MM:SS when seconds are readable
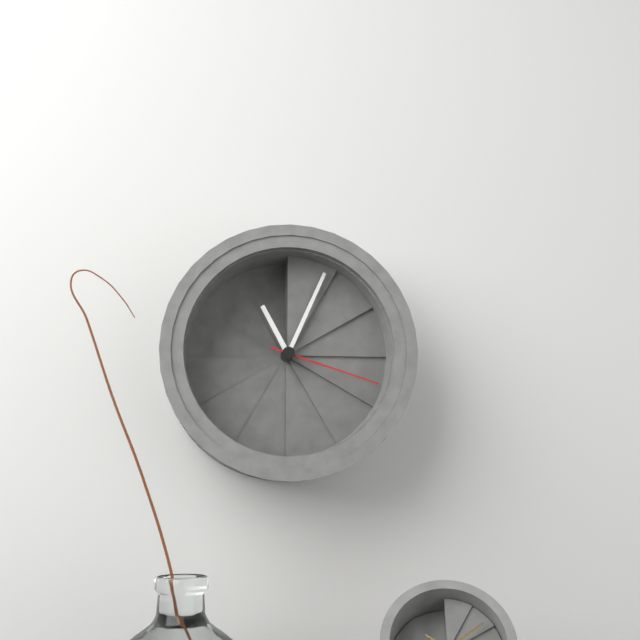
**11:04:18**
